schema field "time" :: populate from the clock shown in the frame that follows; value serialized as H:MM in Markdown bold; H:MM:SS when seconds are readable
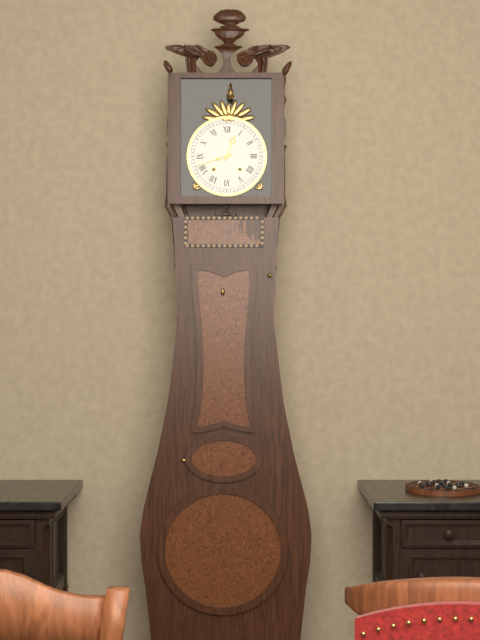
**12:42**
